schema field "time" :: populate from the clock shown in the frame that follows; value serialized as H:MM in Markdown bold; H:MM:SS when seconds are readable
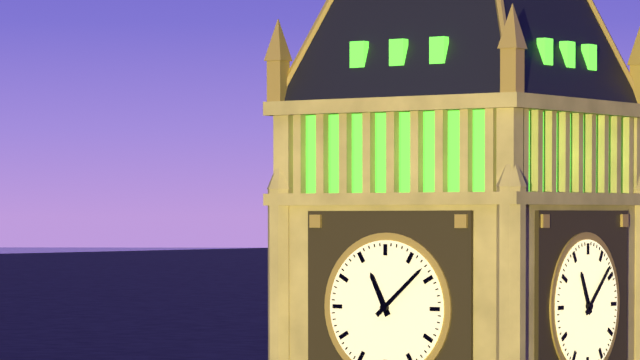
**11:08**
